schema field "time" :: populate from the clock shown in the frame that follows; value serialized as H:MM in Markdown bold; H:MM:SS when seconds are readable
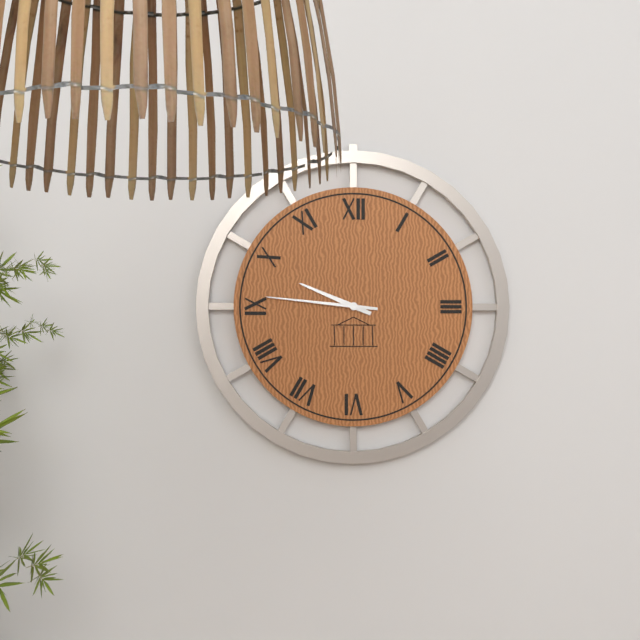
**9:46**
